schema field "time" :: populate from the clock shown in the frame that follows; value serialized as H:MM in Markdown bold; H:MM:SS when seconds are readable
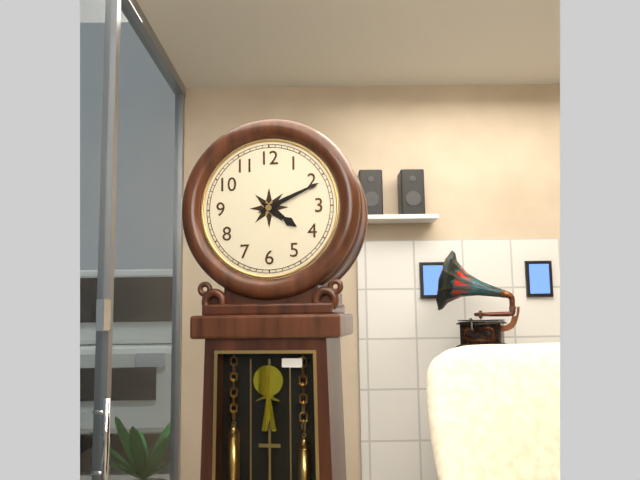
**4:11**
